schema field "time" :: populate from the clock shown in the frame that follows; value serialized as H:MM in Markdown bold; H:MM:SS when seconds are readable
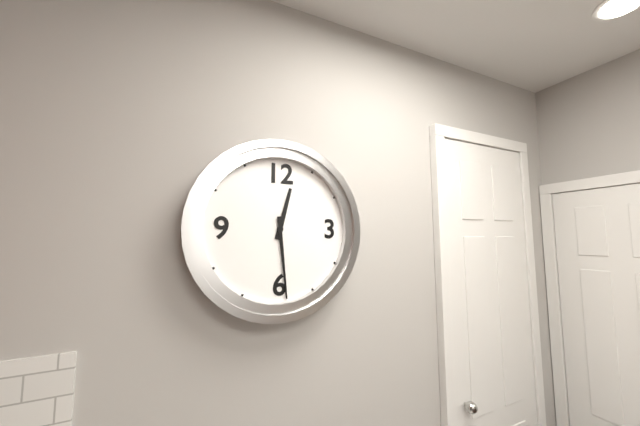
**12:29**
